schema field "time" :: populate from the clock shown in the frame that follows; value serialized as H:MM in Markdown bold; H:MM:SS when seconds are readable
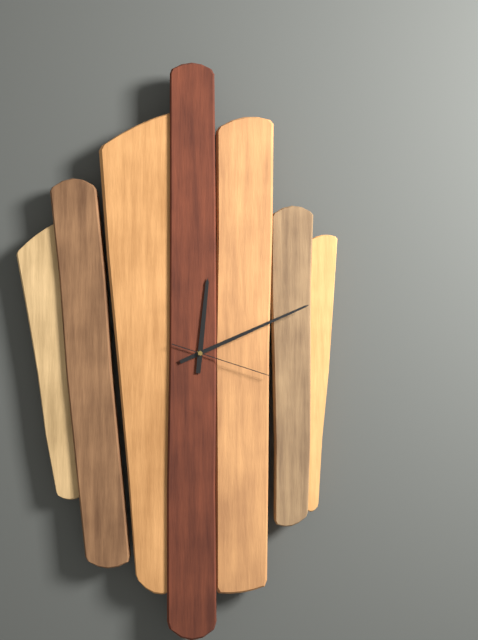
**12:11:18**
